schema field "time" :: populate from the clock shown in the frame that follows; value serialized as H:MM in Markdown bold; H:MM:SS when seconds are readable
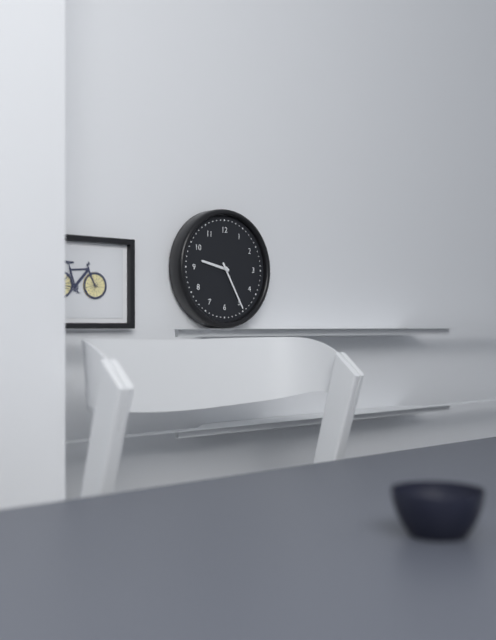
**9:25**
